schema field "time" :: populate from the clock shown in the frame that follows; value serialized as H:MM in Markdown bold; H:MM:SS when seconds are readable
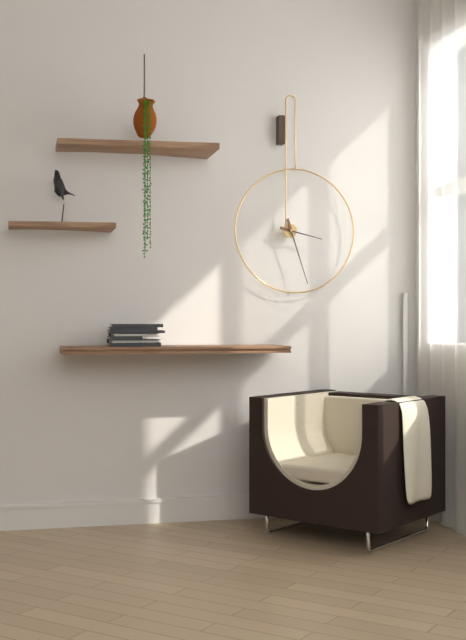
**3:27**
